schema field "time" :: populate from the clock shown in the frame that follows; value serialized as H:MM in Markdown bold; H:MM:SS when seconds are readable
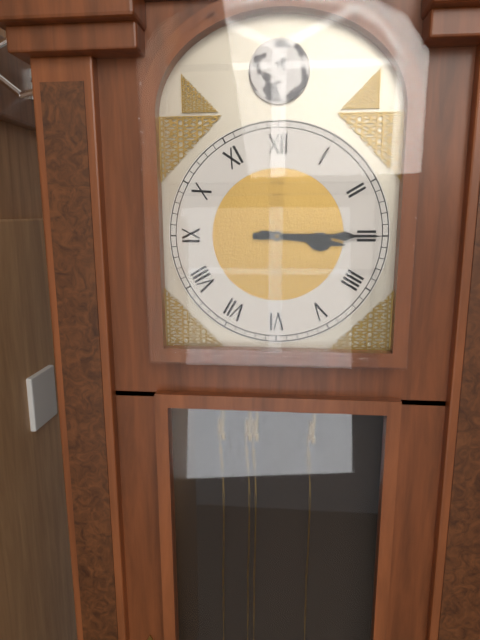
**3:15**
